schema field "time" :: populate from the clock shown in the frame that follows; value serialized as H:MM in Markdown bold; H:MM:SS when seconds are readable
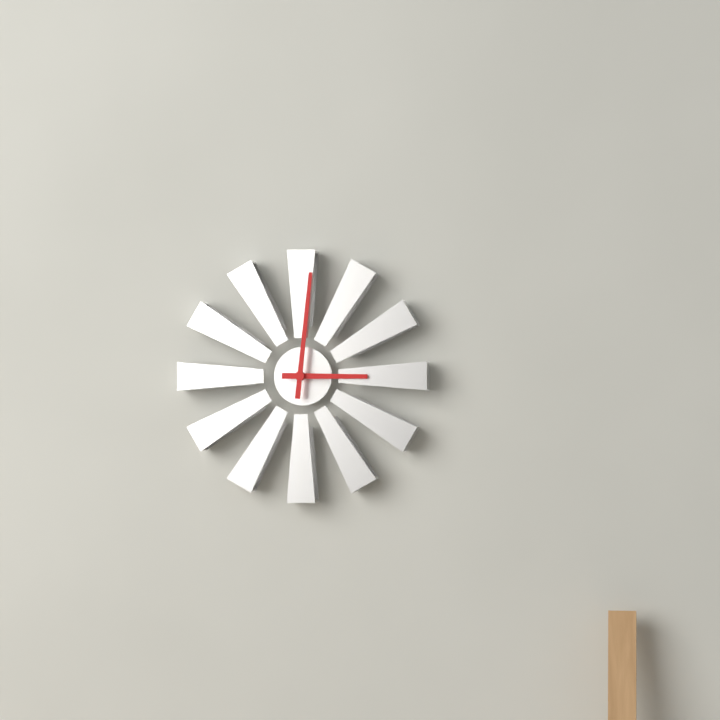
**3:01**
